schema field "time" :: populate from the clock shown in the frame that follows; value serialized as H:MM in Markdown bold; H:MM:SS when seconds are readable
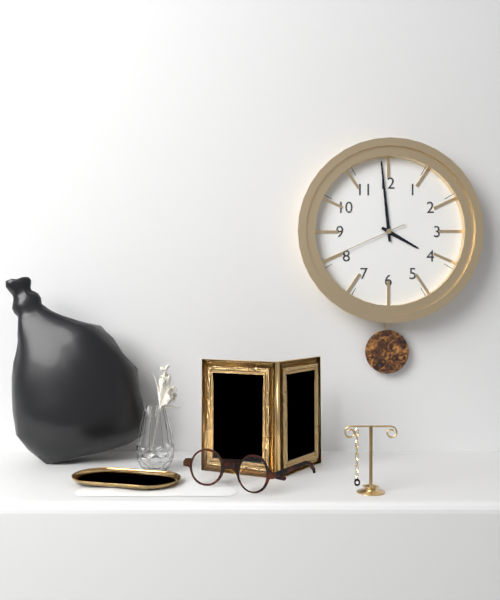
**3:59:41**
